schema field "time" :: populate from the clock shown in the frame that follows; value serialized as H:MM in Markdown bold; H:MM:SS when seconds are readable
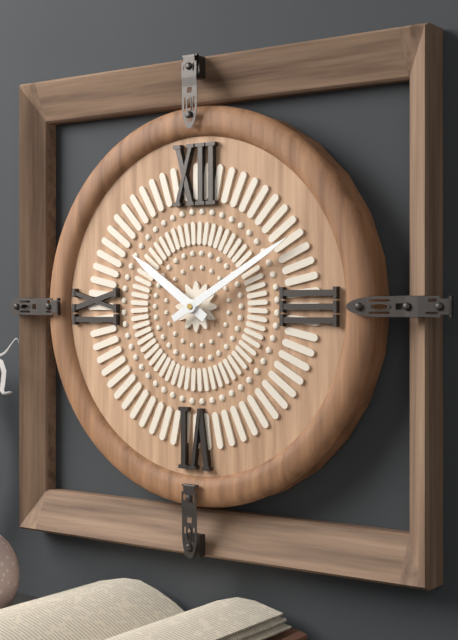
**10:10**
